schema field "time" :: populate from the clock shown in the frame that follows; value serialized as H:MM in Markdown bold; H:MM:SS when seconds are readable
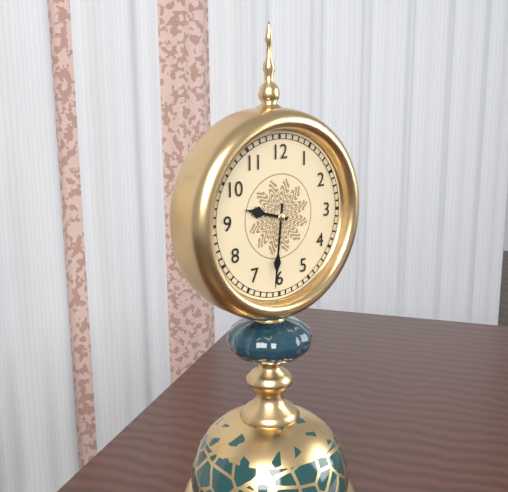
**9:31**
